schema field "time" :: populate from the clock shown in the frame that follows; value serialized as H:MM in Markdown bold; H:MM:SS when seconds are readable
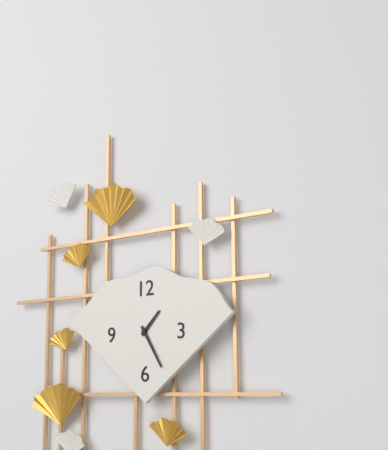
**1:25**
